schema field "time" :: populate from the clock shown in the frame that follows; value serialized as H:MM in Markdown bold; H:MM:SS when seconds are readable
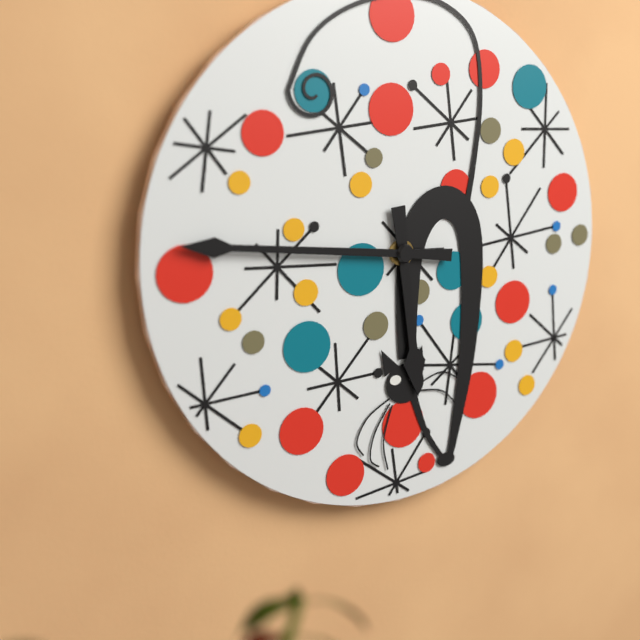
**5:46**
